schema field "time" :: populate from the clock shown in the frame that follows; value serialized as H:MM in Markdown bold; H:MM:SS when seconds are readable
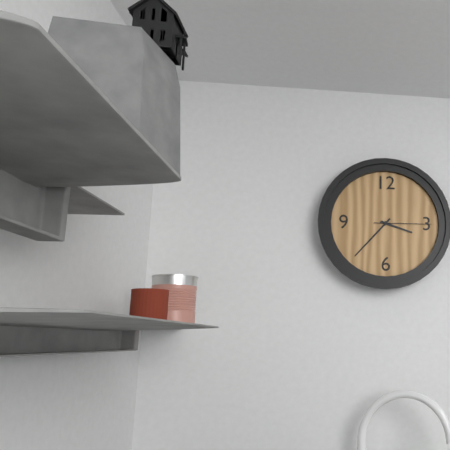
**3:37:15**
